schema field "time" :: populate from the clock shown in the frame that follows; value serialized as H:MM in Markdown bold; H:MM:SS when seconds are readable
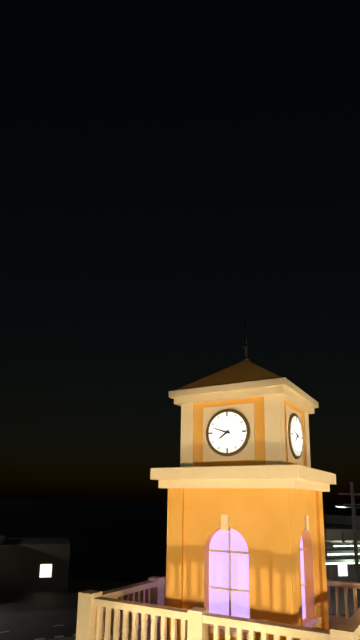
**7:48**
